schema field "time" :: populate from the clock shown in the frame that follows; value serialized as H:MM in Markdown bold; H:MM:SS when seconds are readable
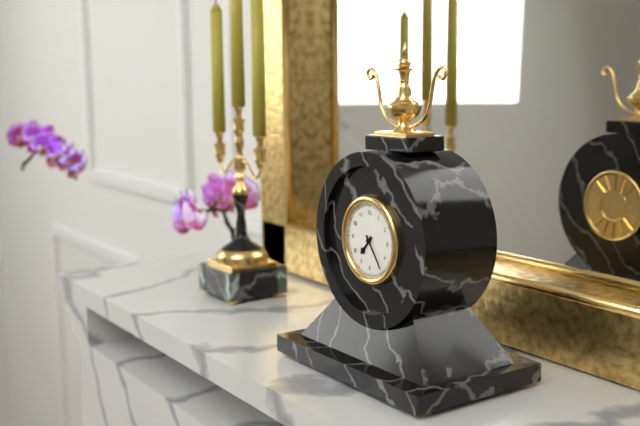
**7:24**
